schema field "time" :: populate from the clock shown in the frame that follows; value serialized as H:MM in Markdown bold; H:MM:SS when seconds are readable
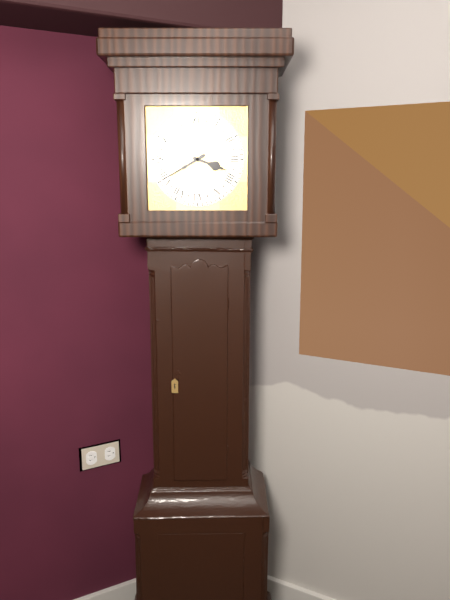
**3:40**
